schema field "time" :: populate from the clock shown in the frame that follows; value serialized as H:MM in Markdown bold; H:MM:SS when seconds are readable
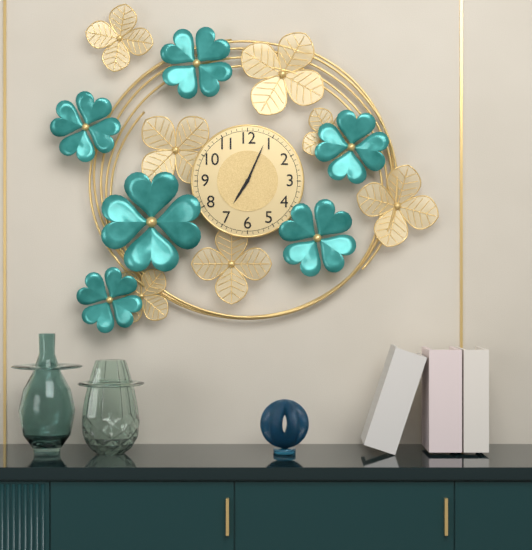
**7:04**
